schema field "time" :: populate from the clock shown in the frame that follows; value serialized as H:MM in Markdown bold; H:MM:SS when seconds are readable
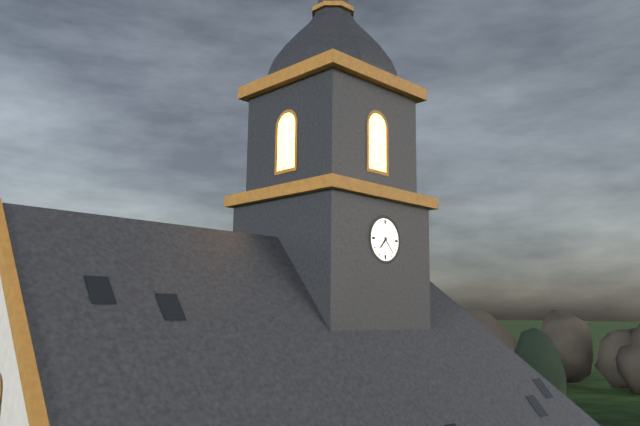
**7:23**
